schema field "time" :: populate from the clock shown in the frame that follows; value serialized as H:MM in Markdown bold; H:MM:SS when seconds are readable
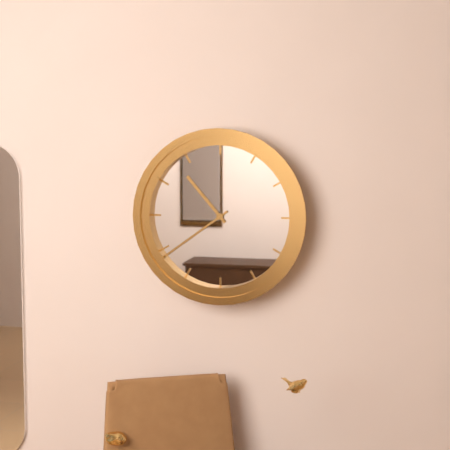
**10:39**
